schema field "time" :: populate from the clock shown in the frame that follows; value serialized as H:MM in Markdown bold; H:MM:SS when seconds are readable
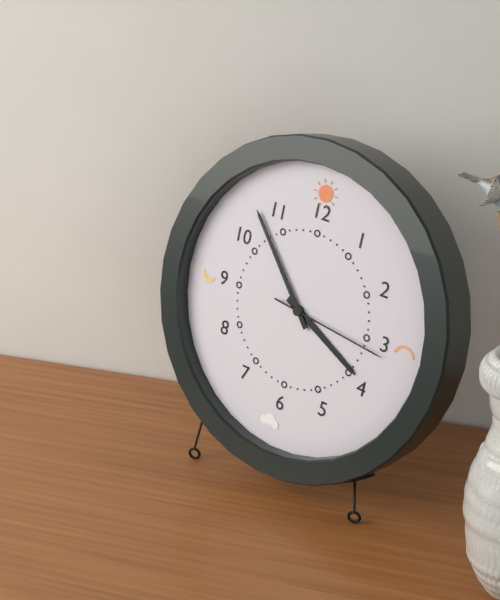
**3:53:16**
